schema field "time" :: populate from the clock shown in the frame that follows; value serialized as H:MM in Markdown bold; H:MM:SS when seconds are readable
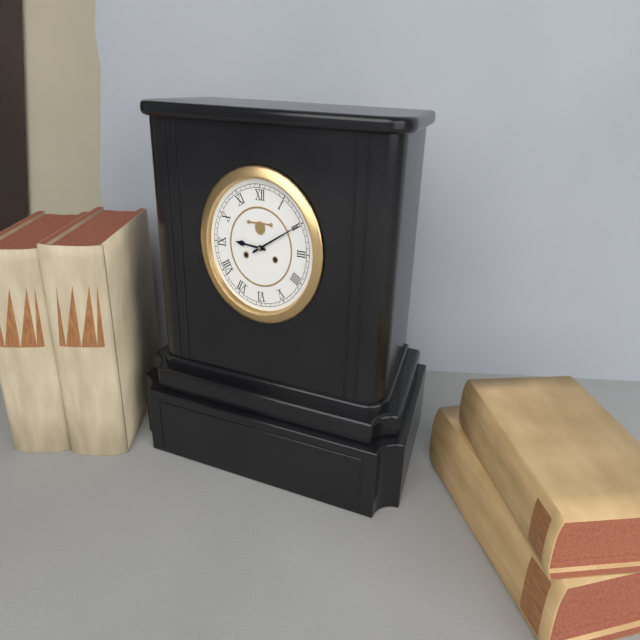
**9:10**
